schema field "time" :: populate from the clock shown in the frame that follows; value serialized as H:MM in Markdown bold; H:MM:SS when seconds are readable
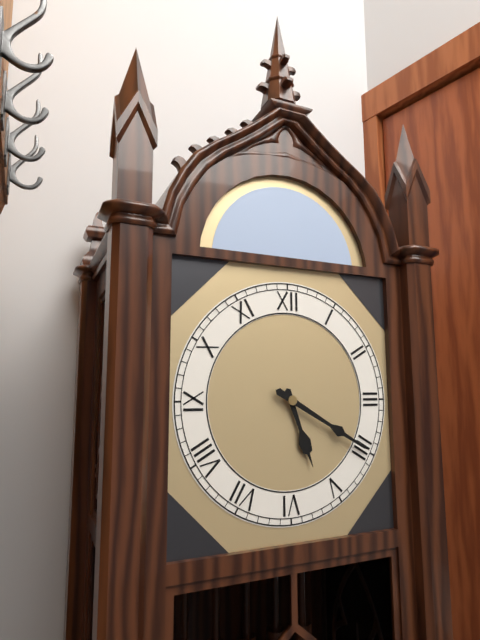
**5:20**
